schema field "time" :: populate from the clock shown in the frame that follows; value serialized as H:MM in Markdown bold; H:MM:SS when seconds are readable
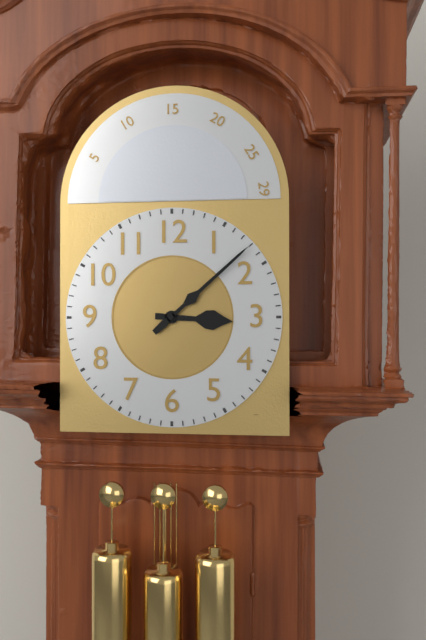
**3:08**
